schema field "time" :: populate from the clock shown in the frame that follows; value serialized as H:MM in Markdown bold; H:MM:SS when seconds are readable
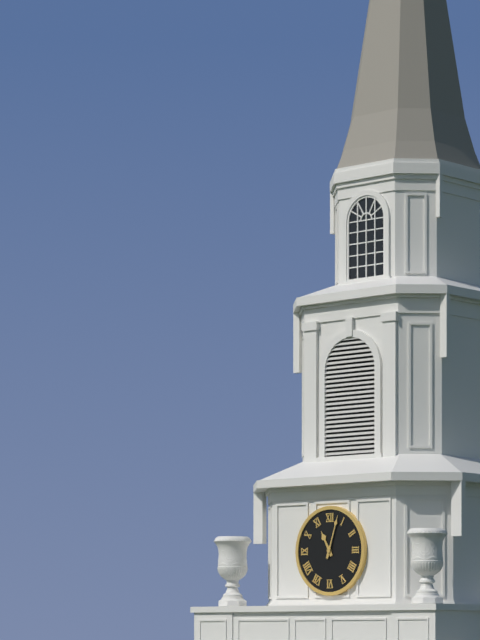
**11:03**
